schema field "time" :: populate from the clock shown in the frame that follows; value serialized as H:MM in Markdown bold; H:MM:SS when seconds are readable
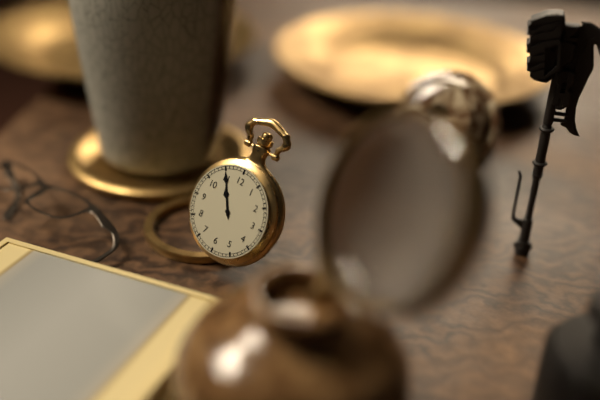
**10:55**
